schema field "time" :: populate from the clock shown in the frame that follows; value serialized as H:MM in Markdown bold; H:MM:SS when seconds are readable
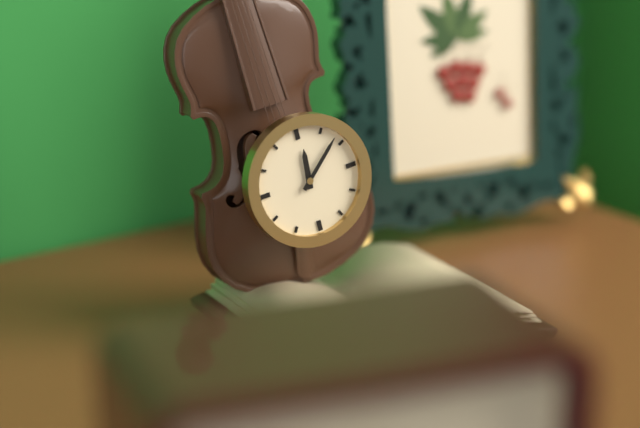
**12:08**
